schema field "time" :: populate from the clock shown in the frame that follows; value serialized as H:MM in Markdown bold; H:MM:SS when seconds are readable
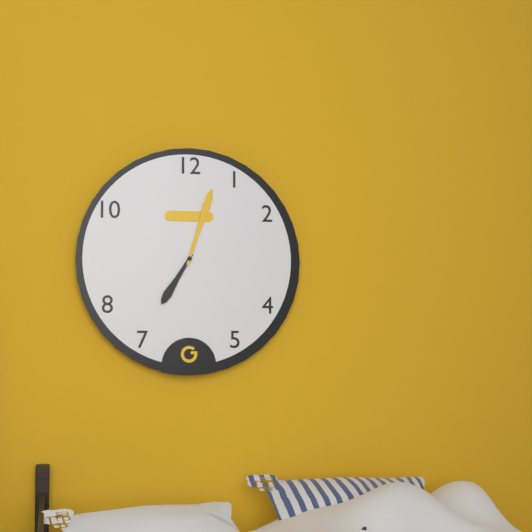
**7:03**
